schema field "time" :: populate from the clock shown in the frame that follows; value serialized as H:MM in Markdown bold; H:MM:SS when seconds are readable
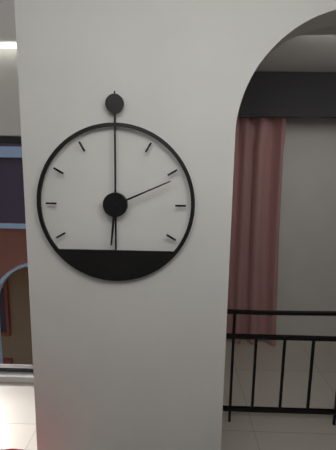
**6:11**
